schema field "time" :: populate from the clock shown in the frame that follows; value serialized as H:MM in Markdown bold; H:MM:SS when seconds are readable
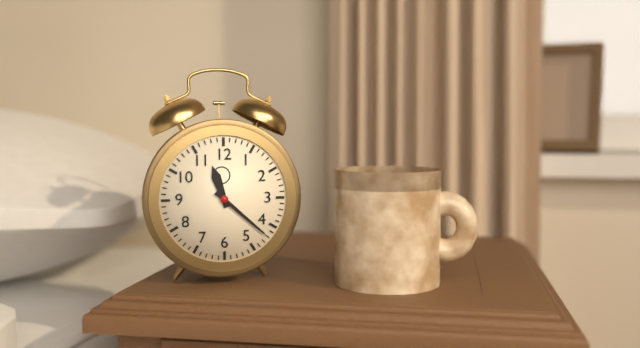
**11:22**
